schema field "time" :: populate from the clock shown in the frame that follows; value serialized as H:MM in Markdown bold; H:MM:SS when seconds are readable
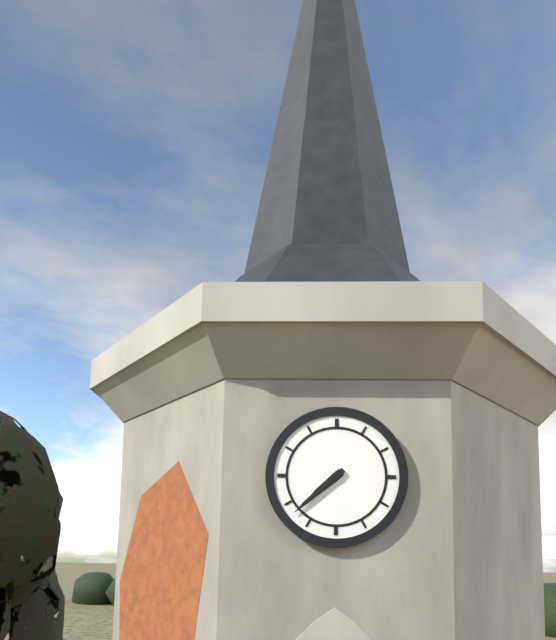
**7:38**
